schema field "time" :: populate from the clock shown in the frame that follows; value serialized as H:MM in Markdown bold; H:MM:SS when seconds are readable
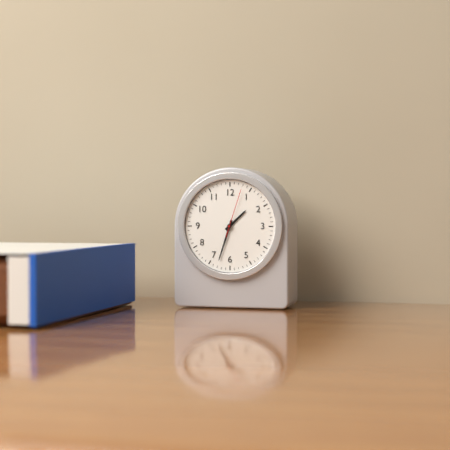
**1:33:03**
